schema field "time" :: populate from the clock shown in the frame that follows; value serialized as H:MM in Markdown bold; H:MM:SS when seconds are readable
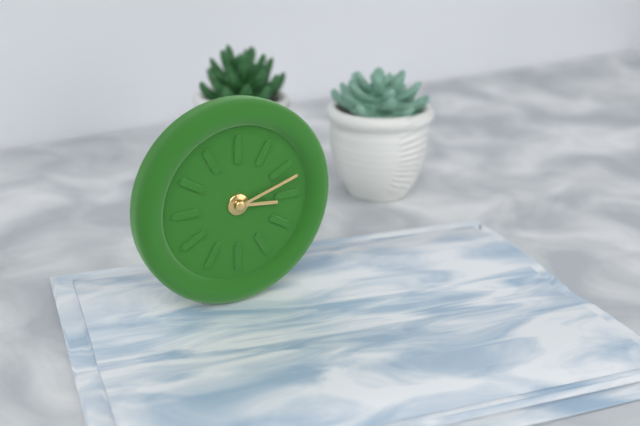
**3:12**
